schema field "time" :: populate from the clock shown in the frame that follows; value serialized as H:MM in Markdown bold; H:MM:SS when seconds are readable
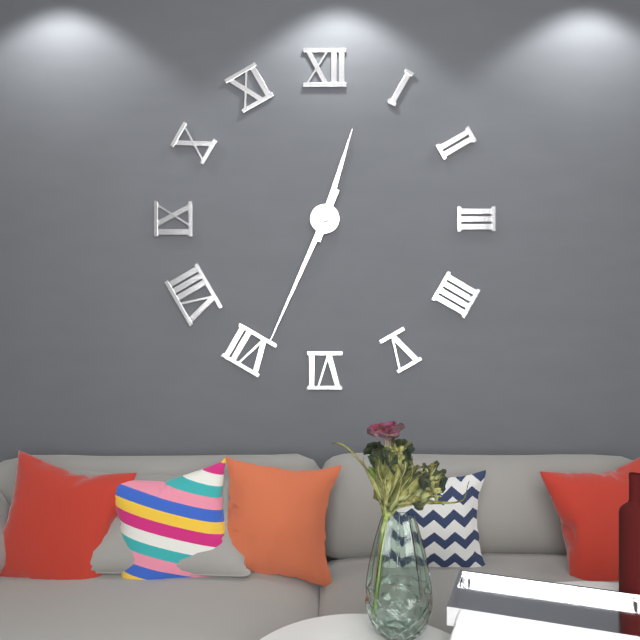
**12:34**
